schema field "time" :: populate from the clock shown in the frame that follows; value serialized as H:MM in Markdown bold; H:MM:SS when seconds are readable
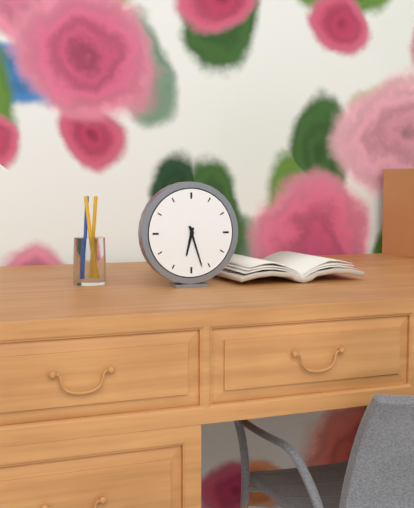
**6:27**
